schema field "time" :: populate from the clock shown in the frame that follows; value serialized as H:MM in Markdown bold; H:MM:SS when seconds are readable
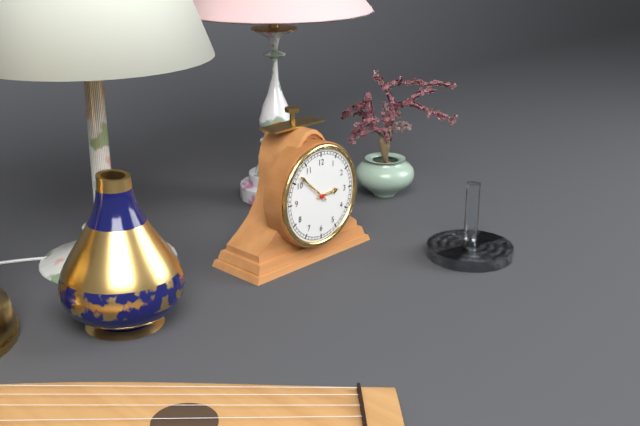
**2:52**
